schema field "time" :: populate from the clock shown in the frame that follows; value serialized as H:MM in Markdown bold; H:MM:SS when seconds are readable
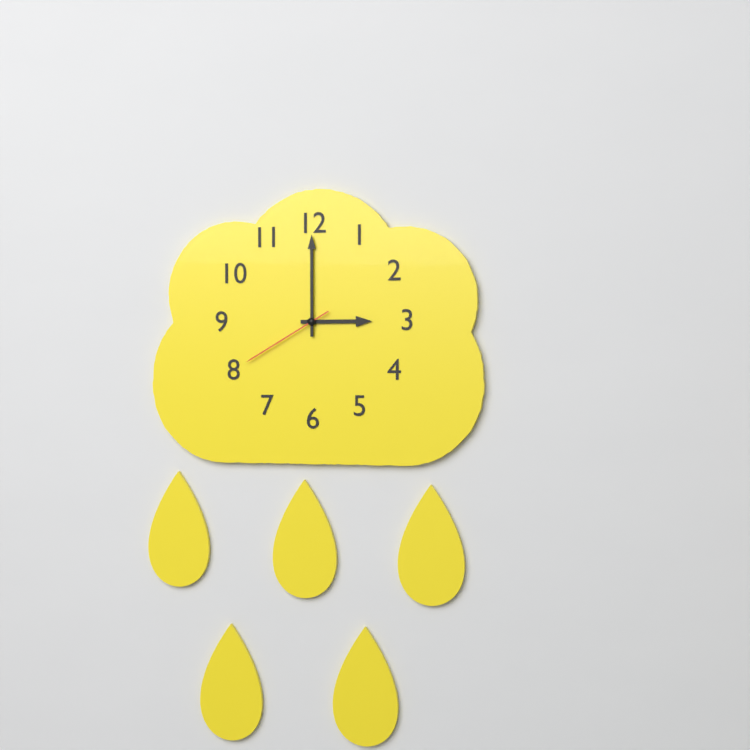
**3:00:40**
